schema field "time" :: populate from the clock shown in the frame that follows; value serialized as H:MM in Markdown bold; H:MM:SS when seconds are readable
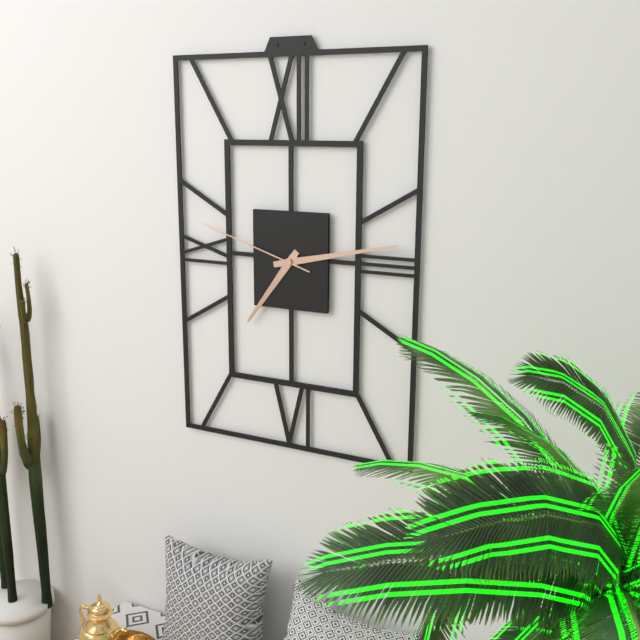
**7:13:48**
